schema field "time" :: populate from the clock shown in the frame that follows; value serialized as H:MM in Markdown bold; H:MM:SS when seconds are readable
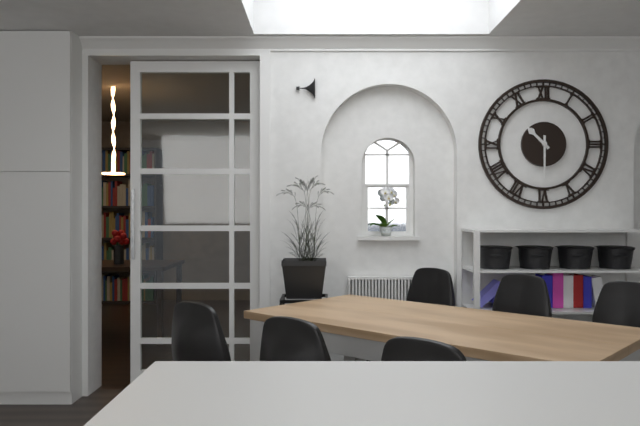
**10:30**
